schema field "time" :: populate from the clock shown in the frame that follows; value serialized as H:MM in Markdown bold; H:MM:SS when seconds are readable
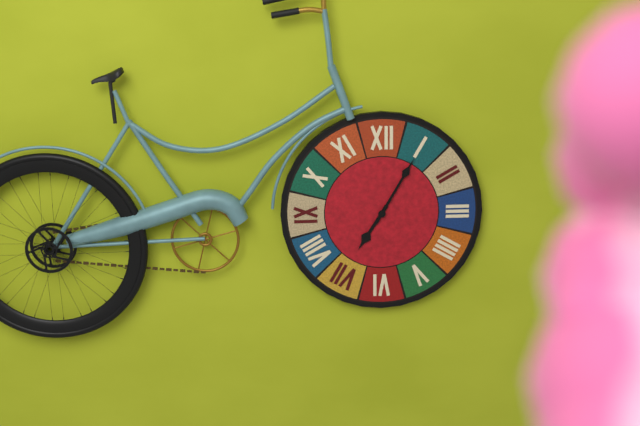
**7:05**
